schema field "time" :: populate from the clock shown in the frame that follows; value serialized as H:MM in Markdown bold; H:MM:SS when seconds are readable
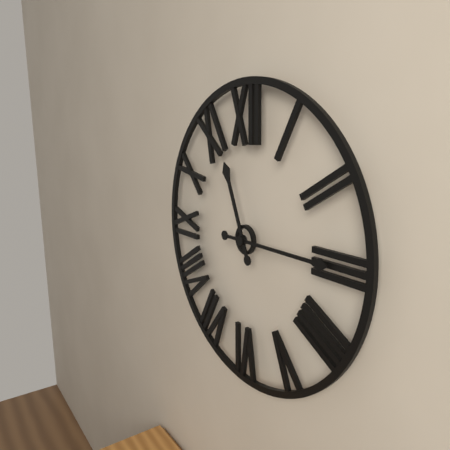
**11:15**
